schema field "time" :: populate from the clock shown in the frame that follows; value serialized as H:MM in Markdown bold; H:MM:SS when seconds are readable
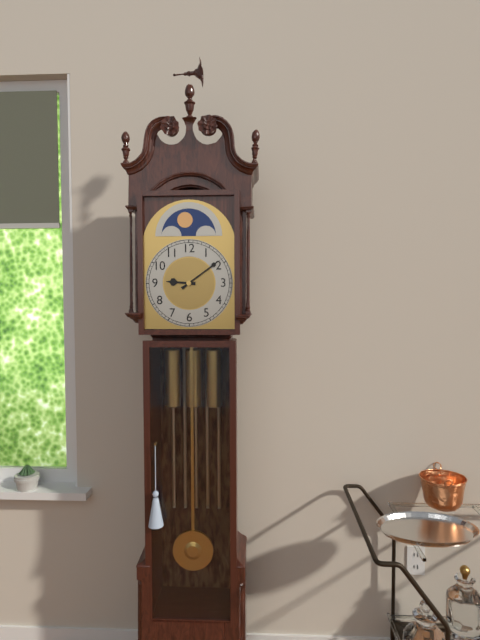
**9:09**
